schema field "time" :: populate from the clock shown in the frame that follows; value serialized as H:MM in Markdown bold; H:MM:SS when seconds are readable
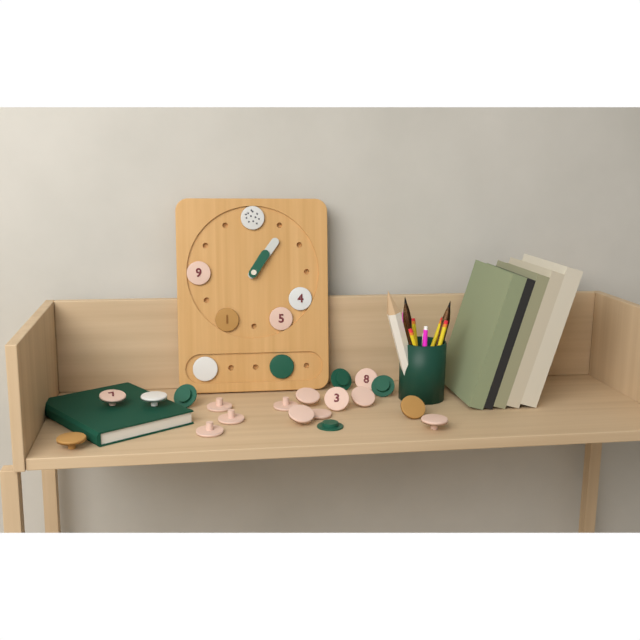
**1:06**
